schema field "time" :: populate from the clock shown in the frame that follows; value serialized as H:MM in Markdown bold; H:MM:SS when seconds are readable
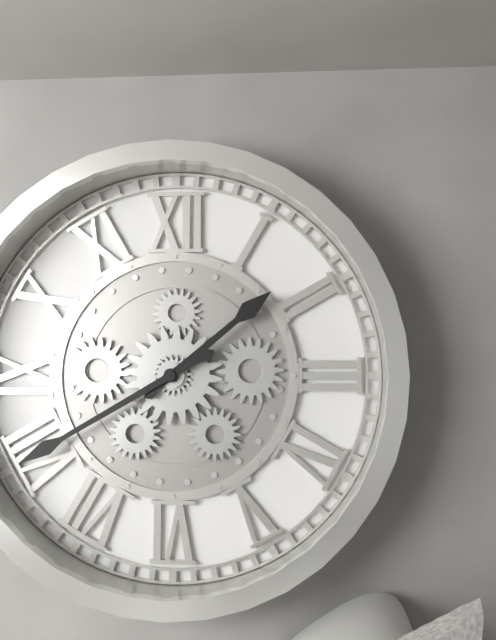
**1:40**
